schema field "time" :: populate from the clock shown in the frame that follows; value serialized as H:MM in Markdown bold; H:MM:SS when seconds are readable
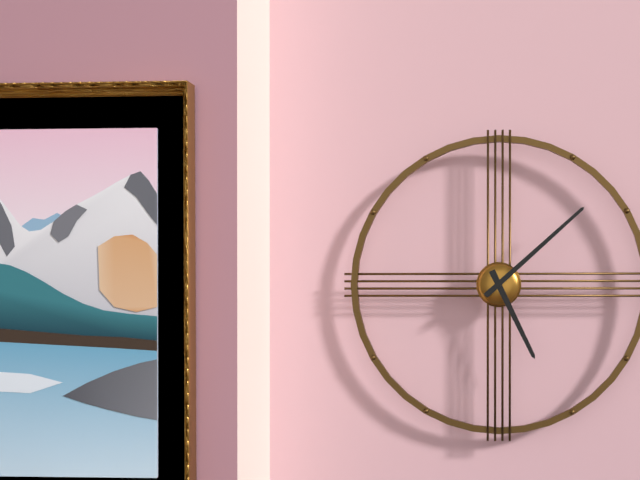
**5:08**
